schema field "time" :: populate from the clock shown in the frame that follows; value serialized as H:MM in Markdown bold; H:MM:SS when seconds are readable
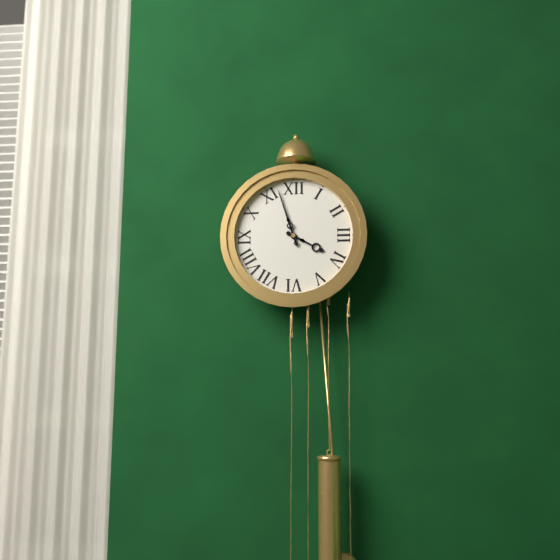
**3:57**
